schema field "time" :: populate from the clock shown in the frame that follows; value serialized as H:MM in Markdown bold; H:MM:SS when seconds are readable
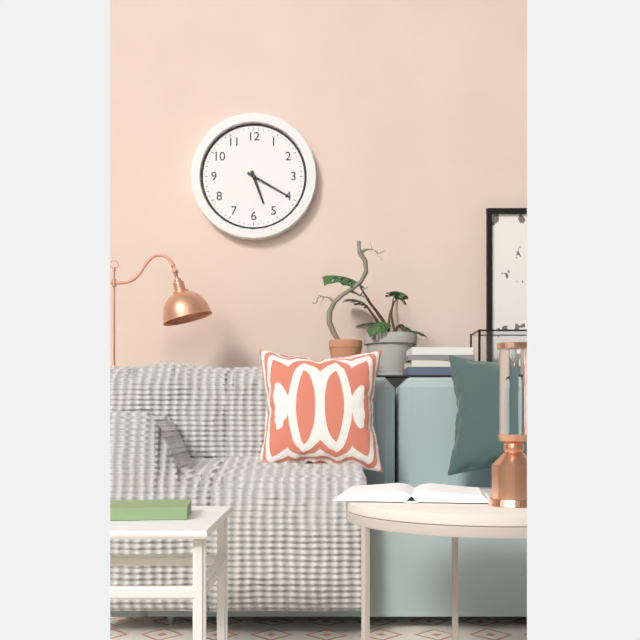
**5:20**
